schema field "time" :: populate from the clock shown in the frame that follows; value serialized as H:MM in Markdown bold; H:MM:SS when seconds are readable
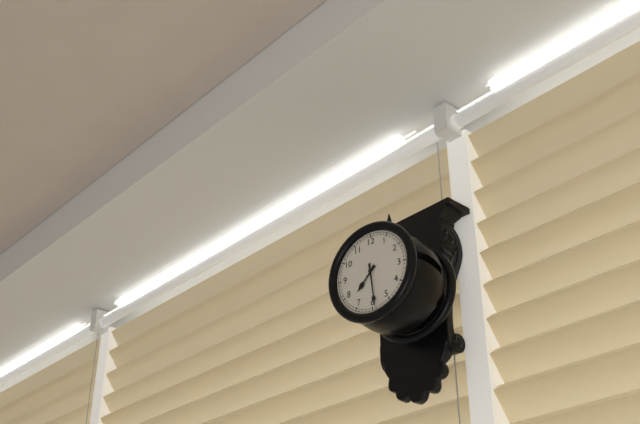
**7:29**
